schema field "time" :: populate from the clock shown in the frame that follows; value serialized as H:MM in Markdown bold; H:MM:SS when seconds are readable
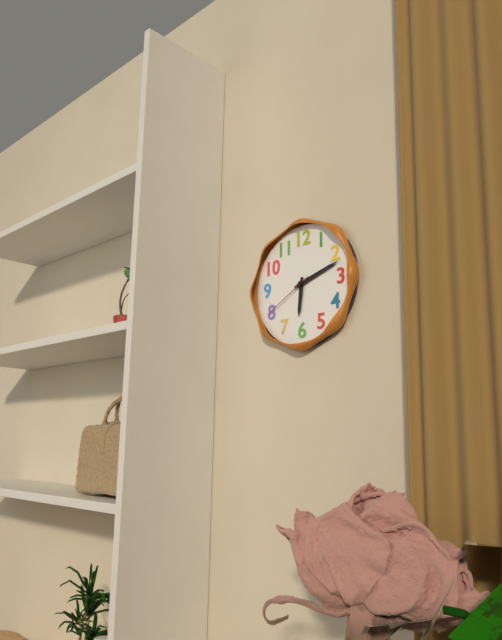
**6:12:40**
